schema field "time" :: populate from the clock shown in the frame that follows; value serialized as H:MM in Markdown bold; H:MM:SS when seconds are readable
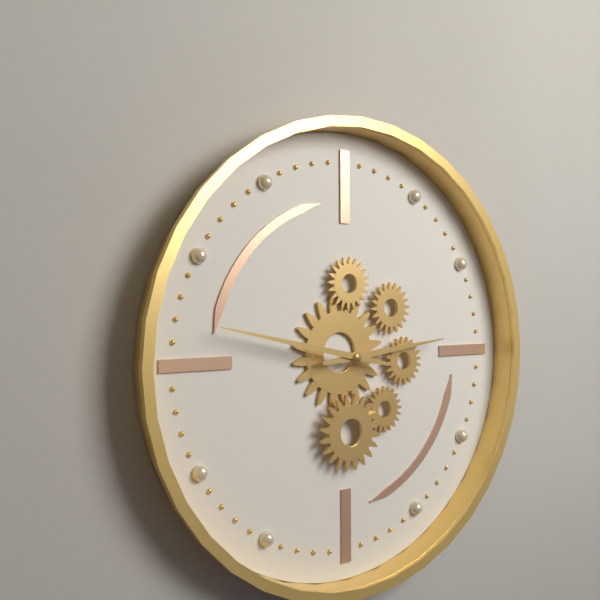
**2:47**
